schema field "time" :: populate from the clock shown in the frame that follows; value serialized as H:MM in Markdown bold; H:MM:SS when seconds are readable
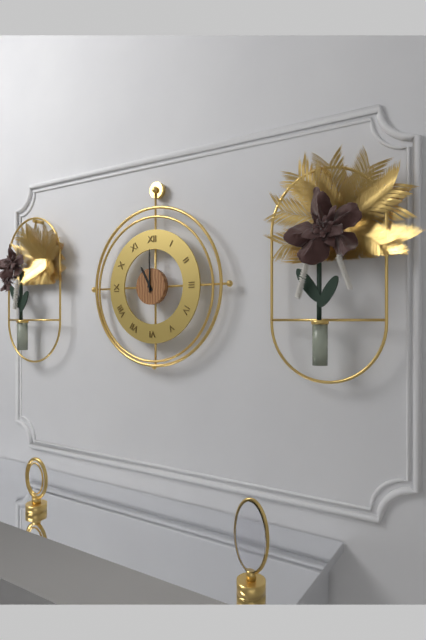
**11:00**
